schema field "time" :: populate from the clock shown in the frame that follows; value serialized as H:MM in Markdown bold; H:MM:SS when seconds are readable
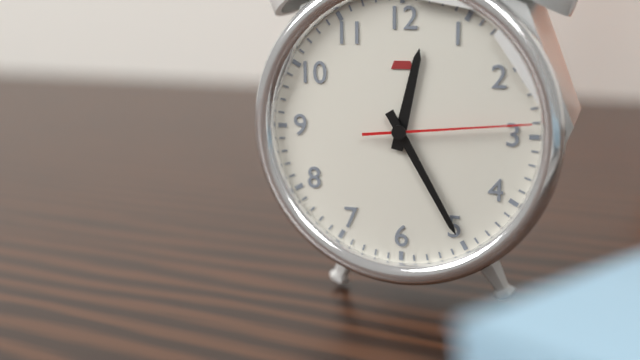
**12:25:14**
